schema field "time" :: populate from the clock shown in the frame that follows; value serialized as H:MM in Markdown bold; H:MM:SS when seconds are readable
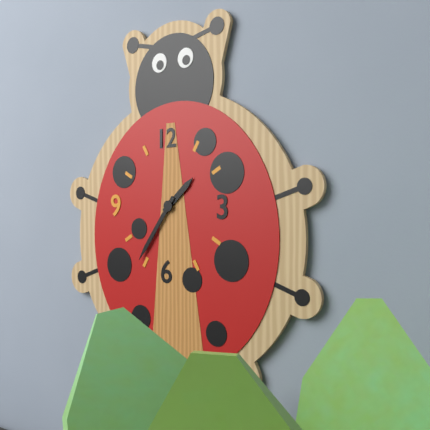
**1:36**
